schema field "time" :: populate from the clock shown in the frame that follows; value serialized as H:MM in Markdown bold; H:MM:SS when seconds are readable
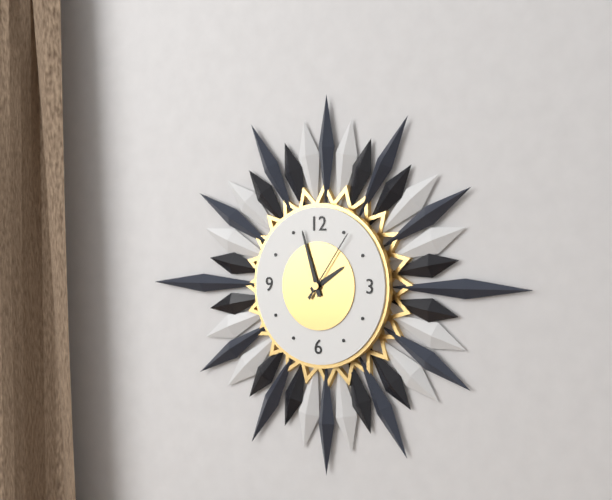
**1:57:06**
